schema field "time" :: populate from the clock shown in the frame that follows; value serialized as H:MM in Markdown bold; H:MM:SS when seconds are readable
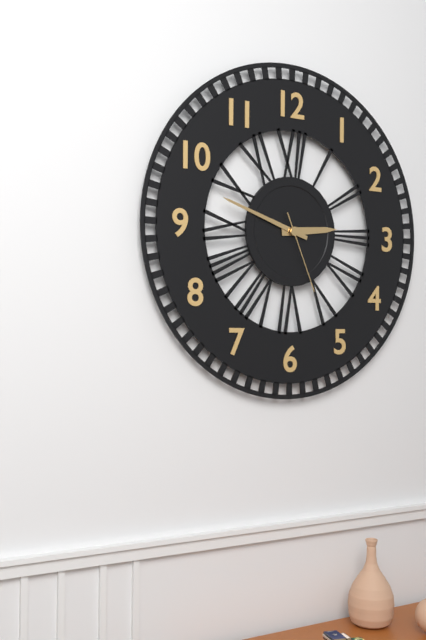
**2:48:26**
